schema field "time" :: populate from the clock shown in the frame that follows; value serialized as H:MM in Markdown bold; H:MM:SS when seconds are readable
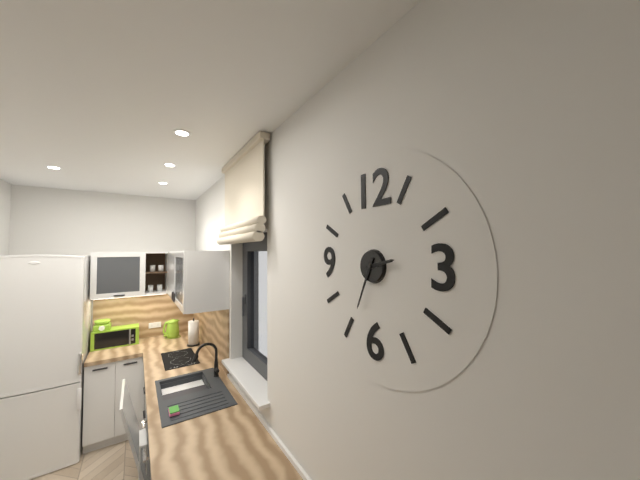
**2:34**
